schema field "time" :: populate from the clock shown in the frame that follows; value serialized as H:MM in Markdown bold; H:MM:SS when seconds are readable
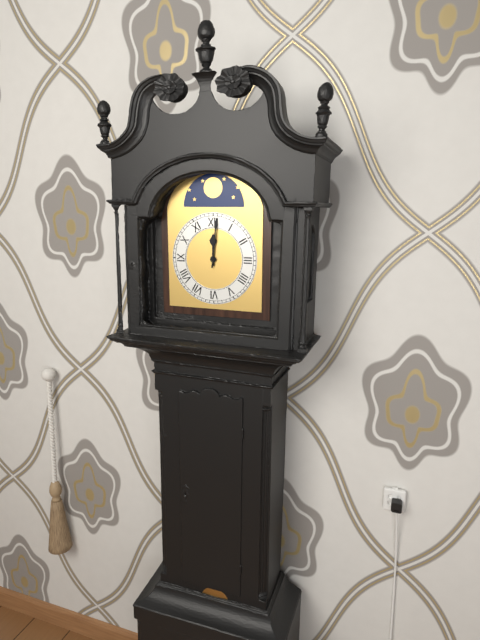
**12:01**
